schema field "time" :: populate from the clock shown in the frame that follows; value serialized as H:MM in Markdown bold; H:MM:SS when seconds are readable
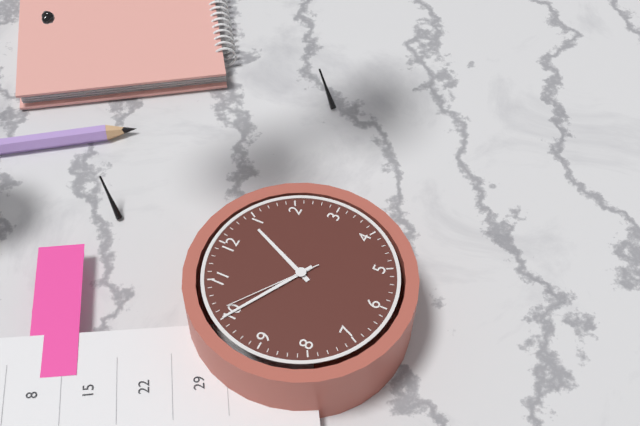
**12:50:51**
